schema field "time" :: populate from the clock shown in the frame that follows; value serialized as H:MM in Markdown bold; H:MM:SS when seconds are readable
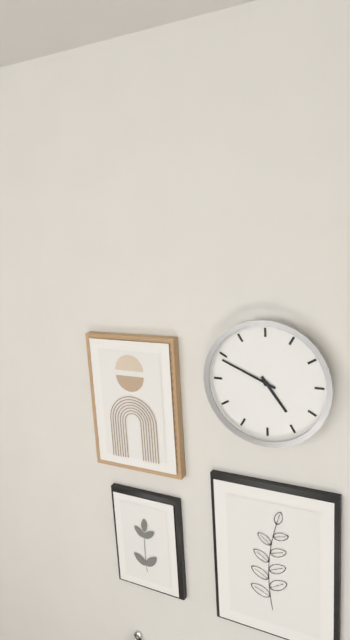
**4:49**
